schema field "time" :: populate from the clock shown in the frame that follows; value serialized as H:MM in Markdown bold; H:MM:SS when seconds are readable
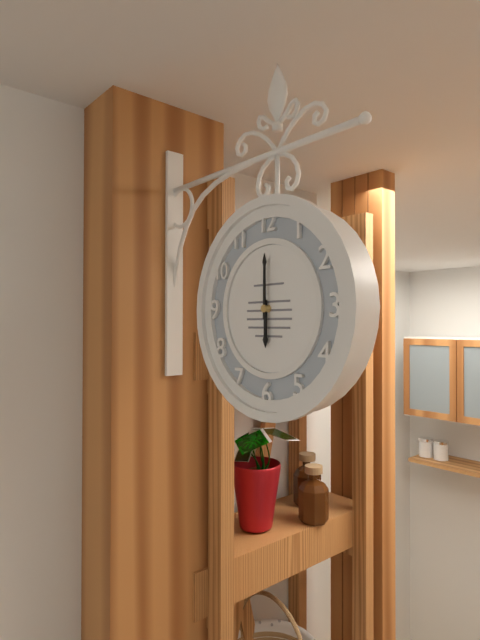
**6:00**
